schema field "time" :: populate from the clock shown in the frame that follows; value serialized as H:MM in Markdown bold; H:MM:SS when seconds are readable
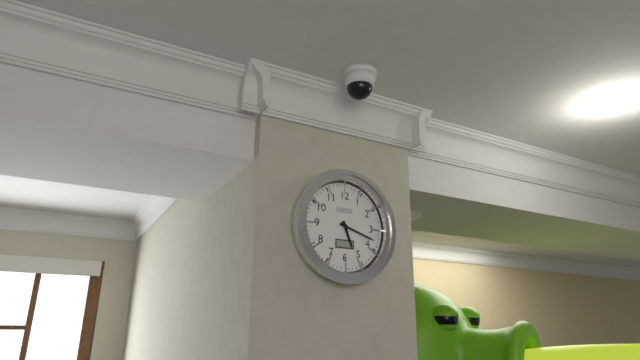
**5:18**
